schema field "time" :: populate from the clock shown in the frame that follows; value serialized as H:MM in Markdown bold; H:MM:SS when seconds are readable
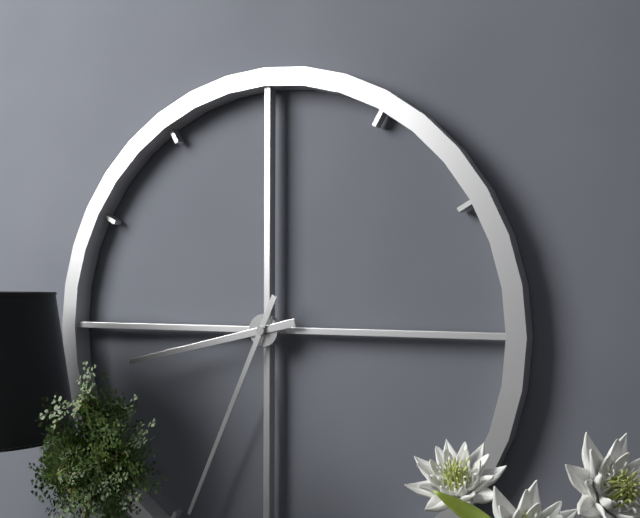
**8:34**
